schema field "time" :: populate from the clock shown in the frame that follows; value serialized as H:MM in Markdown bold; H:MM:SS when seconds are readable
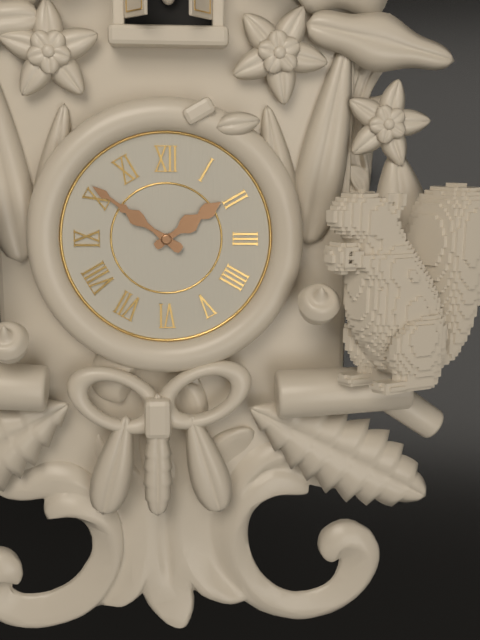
**1:51**
